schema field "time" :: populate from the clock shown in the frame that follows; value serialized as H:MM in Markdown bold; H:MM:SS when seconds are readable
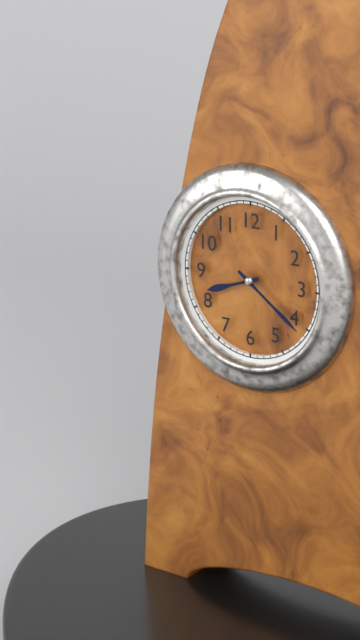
**8:21**
